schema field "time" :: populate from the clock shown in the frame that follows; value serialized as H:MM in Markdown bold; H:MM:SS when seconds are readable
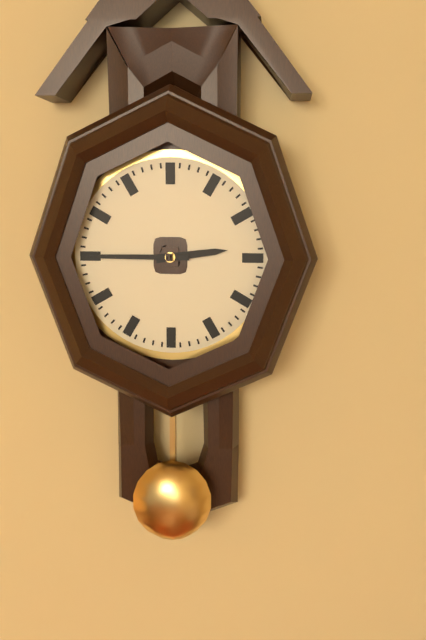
**2:45**
